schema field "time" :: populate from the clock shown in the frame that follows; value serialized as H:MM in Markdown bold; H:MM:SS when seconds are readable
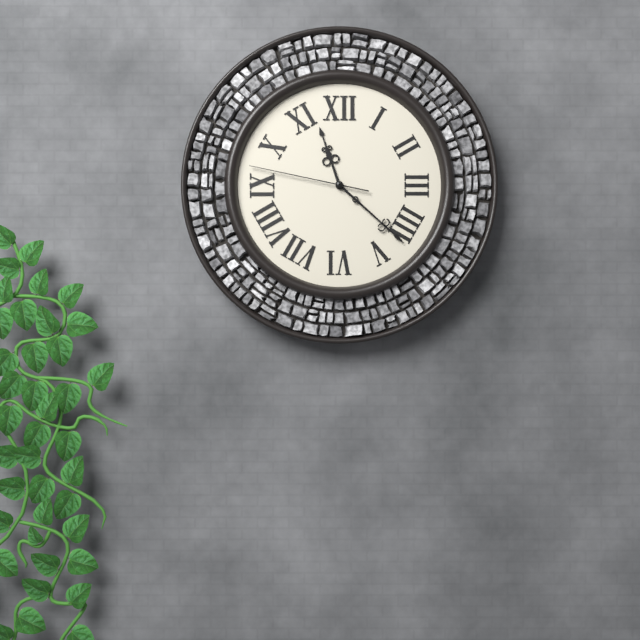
**11:22:47**
